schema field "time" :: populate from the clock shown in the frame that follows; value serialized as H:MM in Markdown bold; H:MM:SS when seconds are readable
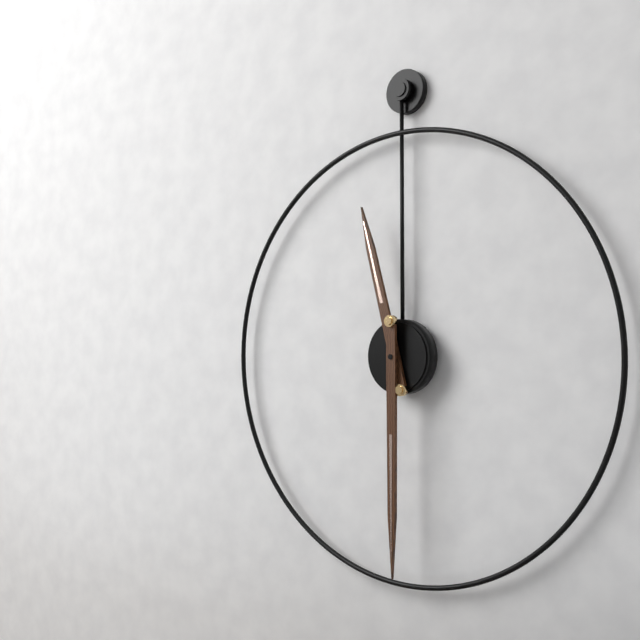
**11:30**
